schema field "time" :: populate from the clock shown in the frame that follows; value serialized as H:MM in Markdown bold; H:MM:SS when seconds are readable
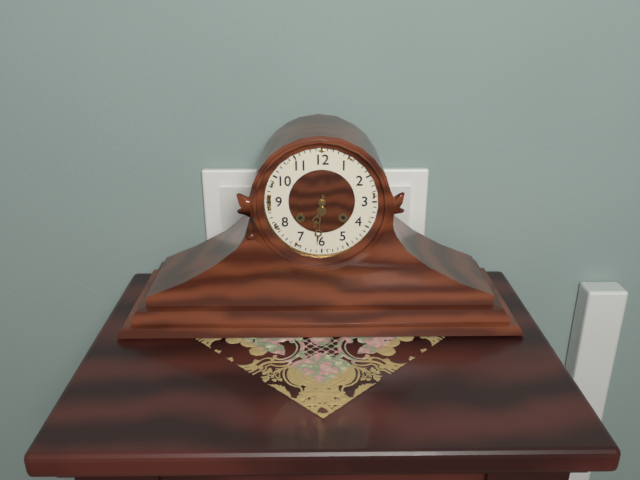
**6:31**
